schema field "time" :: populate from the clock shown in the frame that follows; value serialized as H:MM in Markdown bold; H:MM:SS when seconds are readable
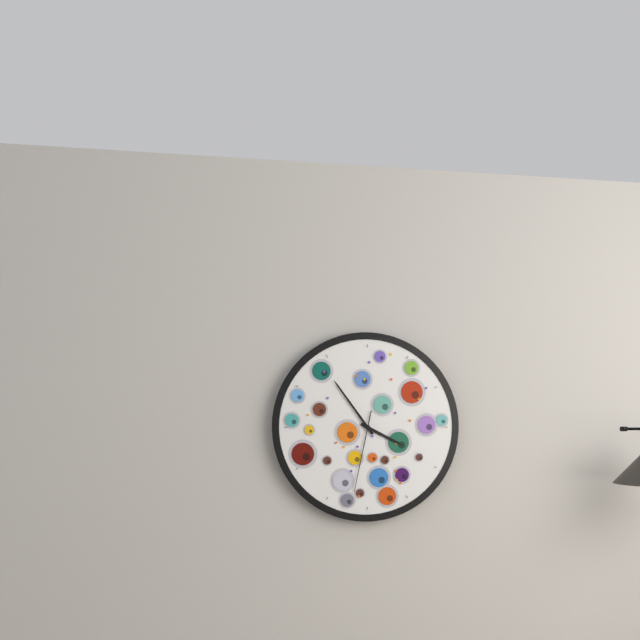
**3:54:32**
